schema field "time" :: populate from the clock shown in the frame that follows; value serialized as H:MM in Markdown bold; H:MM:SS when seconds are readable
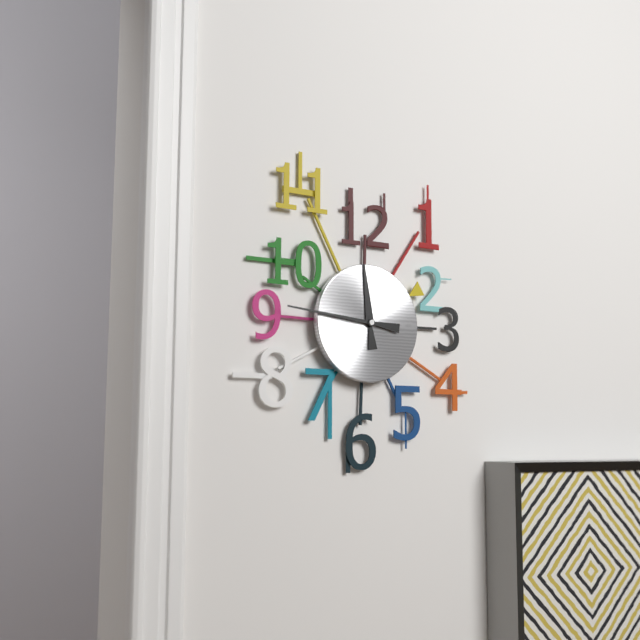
**11:46**
